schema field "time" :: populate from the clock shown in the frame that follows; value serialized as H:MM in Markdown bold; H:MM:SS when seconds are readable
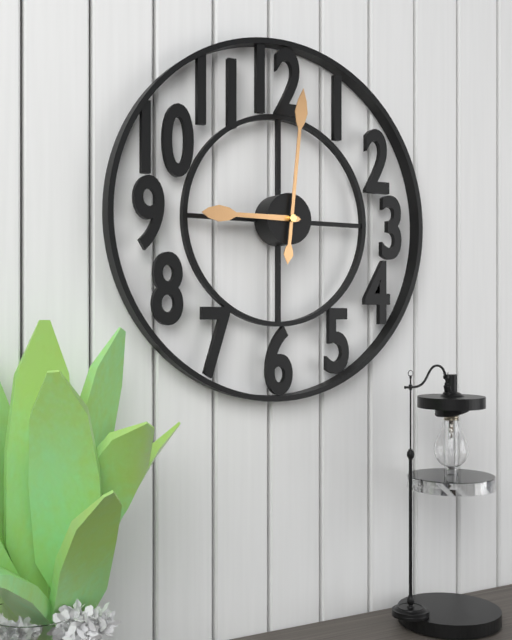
**9:01**
